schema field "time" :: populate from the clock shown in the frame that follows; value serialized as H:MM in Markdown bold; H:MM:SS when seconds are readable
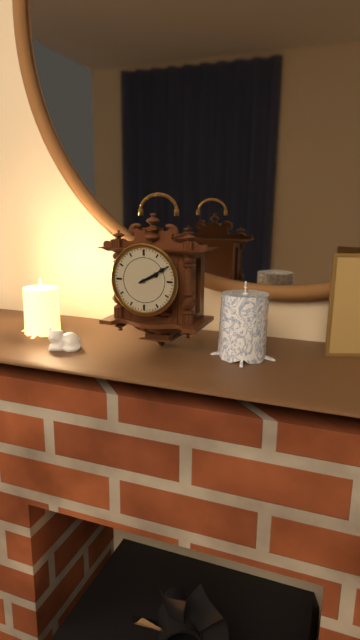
**2:10**
